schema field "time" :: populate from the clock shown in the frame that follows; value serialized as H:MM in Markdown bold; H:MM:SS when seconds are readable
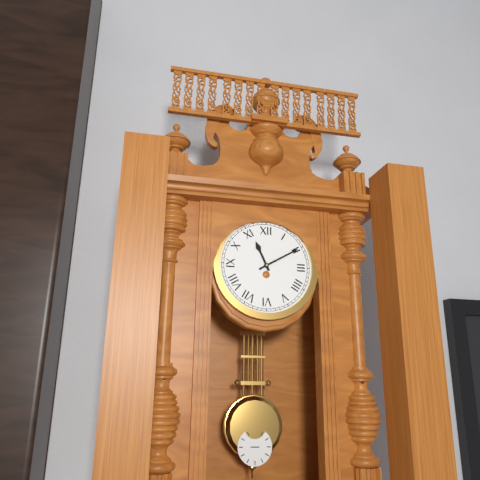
**11:10**
